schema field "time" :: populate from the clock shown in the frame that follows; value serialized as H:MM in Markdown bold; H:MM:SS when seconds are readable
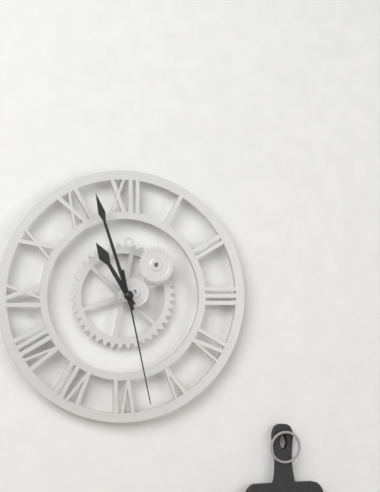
**10:57:28**
